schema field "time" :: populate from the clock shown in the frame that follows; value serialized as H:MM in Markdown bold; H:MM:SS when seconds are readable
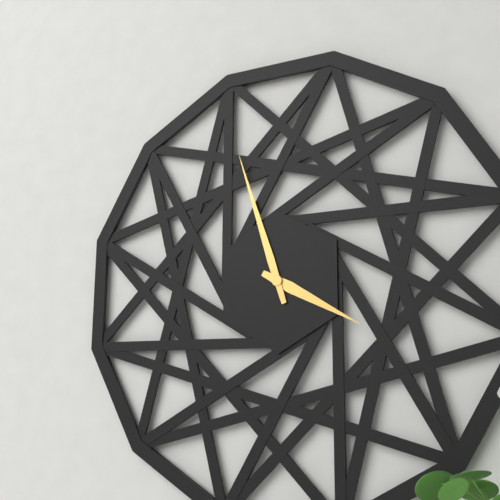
**3:57**
